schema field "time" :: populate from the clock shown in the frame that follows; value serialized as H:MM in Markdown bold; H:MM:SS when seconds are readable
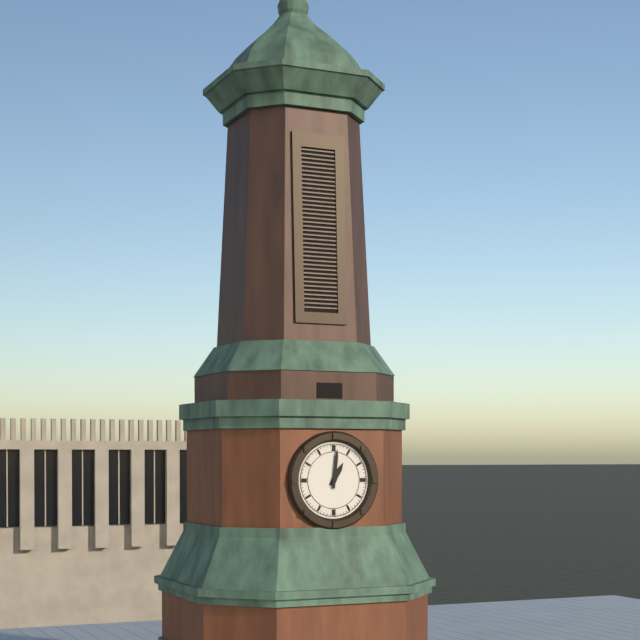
**1:01**
